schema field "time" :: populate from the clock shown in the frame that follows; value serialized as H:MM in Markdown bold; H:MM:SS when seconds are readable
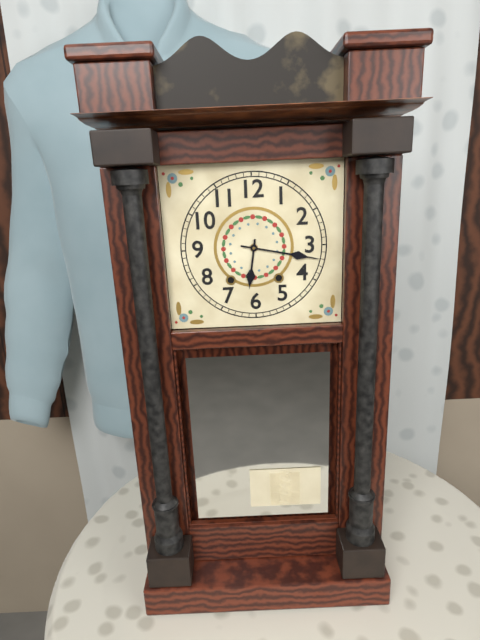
**6:17**
